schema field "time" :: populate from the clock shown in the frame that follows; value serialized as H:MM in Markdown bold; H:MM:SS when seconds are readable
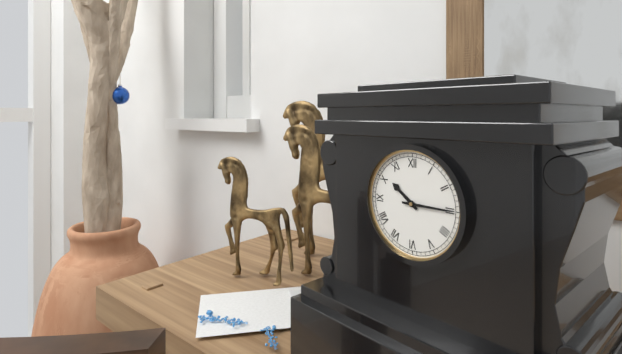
**10:15**
